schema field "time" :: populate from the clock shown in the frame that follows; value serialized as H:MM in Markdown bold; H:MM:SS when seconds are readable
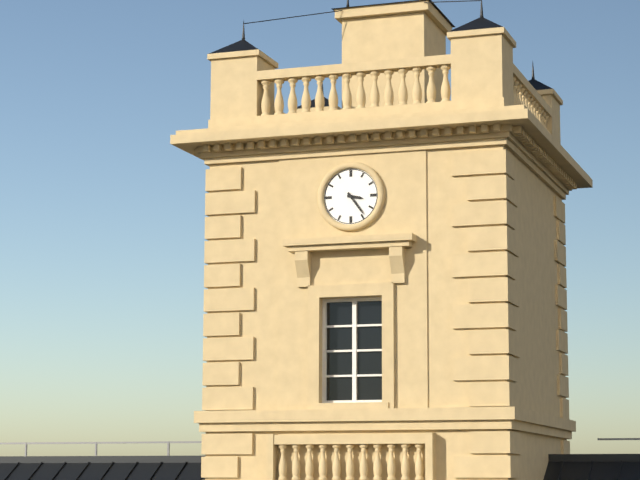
**3:24**
